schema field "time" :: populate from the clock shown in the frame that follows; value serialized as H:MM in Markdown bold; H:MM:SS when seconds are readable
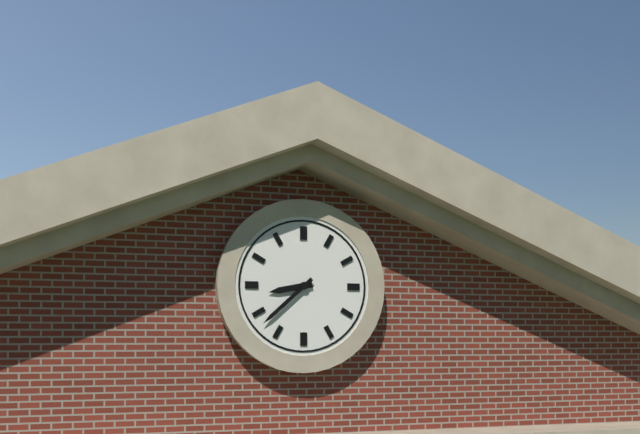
**8:38**
